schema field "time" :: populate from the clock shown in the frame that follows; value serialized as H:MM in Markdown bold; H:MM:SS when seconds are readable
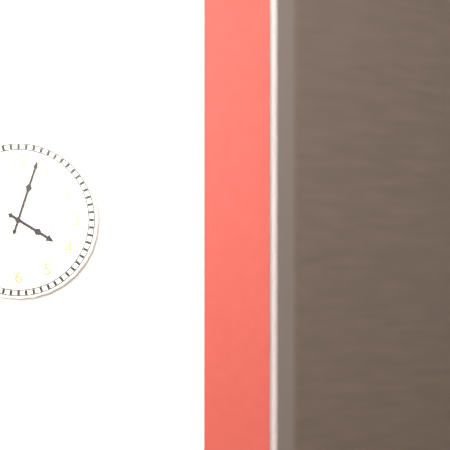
**4:03**
